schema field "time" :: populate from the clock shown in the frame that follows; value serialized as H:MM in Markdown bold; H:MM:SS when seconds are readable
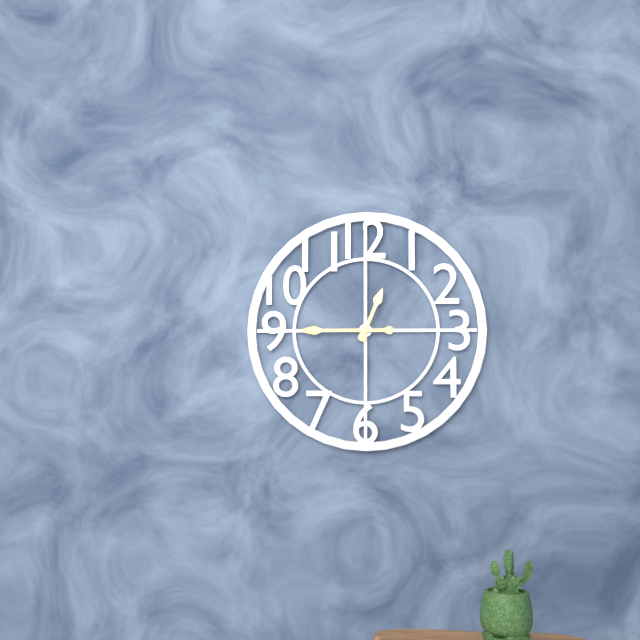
**12:45**
